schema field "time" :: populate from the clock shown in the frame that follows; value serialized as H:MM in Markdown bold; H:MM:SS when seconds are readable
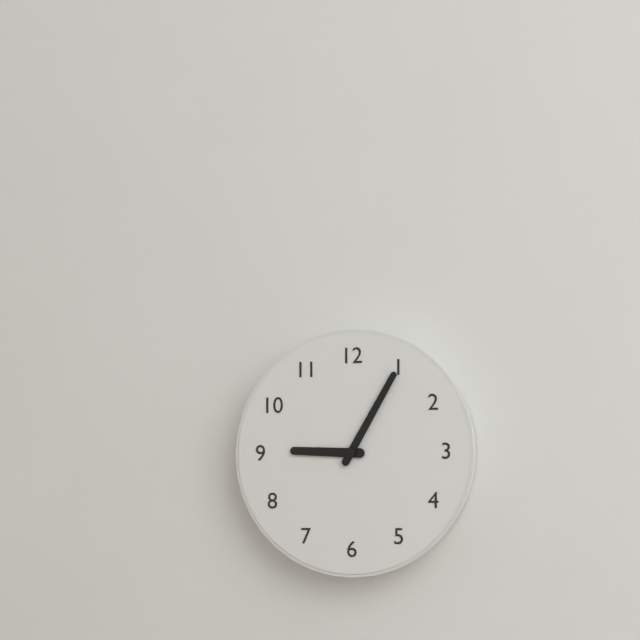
**9:05**
